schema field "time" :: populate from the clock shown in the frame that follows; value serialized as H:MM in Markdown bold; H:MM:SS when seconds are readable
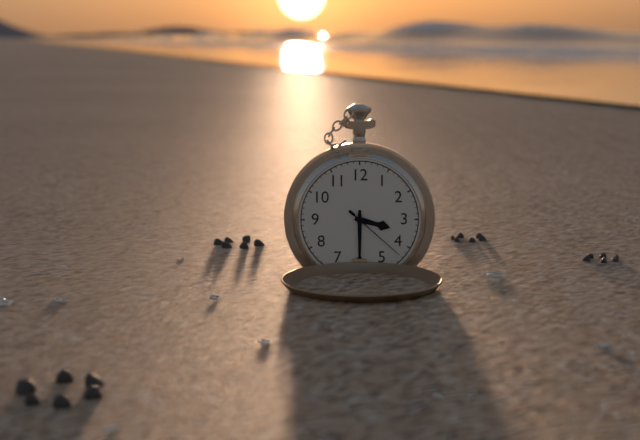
**3:30:22**
